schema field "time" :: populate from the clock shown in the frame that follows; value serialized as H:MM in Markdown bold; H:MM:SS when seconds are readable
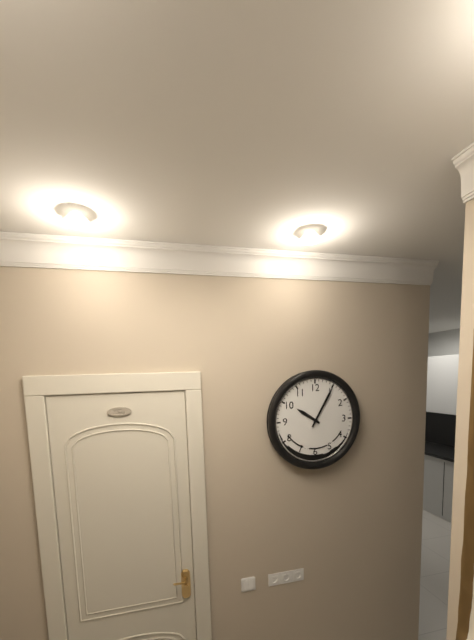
**10:05**
